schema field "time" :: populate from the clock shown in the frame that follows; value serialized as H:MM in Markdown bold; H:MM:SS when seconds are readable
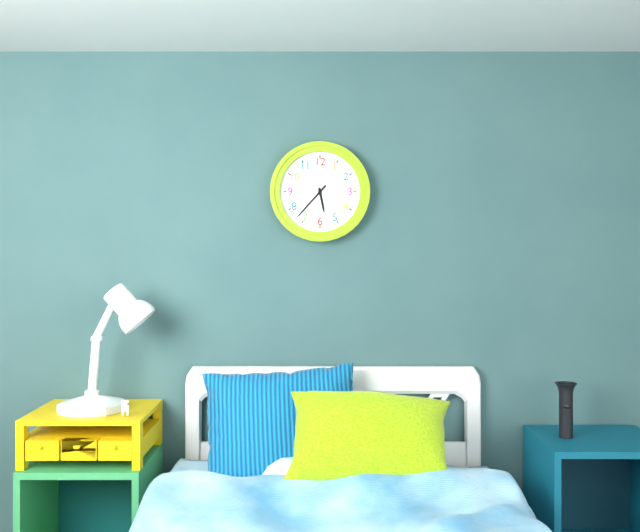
**5:37**
